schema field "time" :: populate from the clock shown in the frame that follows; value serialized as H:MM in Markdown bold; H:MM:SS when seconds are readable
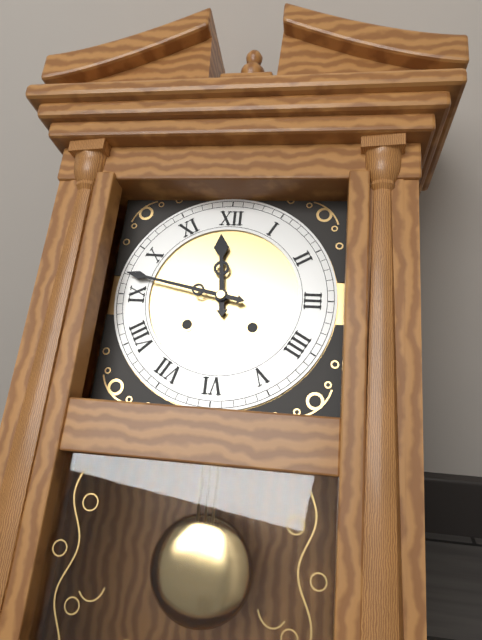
**11:47**
